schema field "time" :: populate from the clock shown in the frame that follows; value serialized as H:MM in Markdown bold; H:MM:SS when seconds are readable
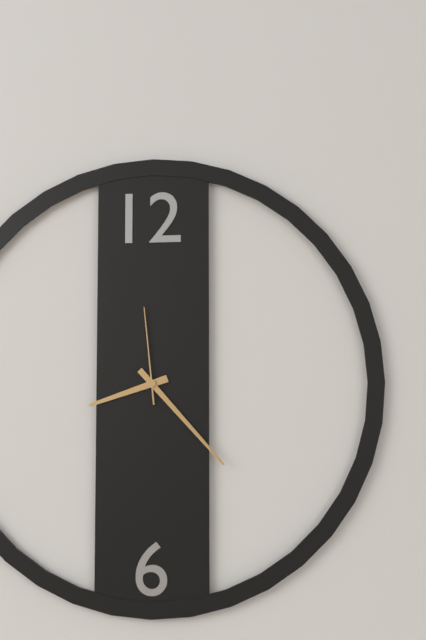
**8:23:59**
